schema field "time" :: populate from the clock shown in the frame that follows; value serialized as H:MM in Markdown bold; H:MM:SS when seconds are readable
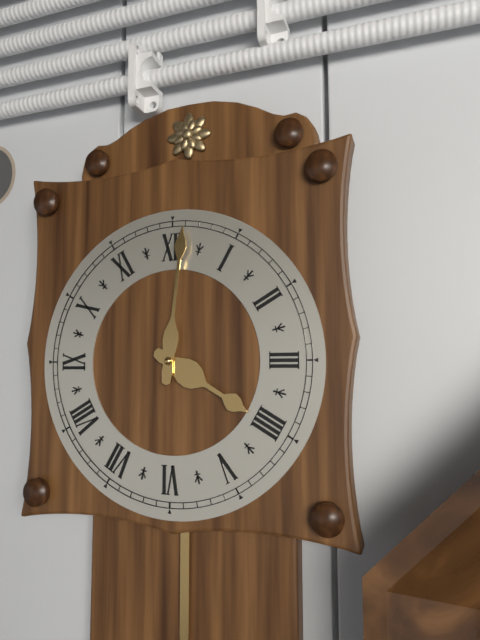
**4:01**
